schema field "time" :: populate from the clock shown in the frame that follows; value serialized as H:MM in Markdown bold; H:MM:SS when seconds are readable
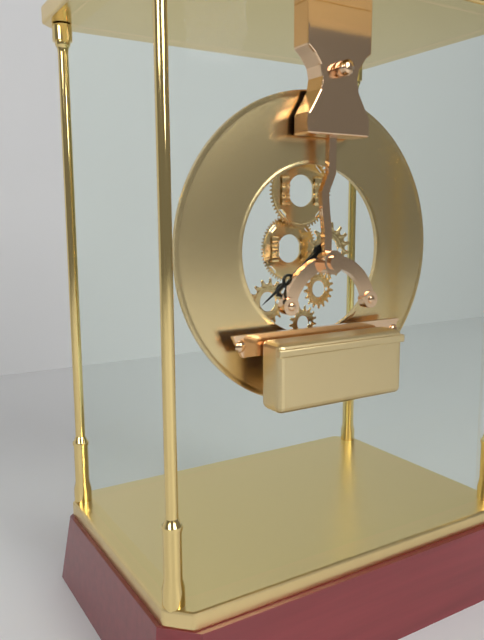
**7:39**
